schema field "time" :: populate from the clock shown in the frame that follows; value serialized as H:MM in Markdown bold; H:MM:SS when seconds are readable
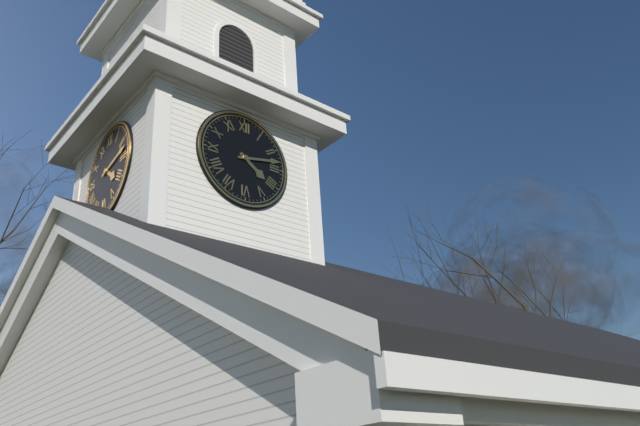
**4:13**
